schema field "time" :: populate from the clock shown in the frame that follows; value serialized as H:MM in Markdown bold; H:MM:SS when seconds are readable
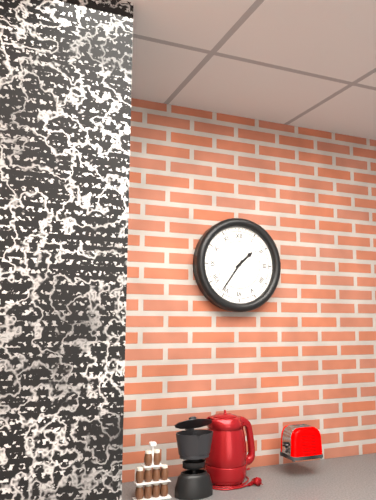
**1:36**
